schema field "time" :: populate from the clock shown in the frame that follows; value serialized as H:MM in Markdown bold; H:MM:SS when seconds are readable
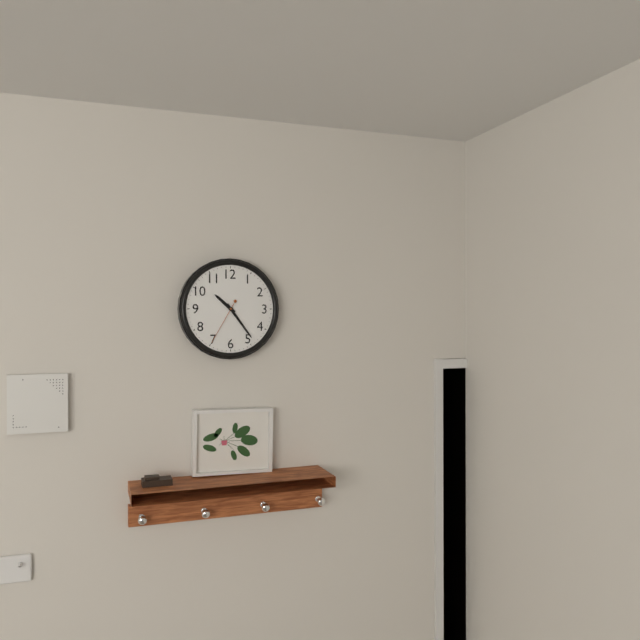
**10:24**
